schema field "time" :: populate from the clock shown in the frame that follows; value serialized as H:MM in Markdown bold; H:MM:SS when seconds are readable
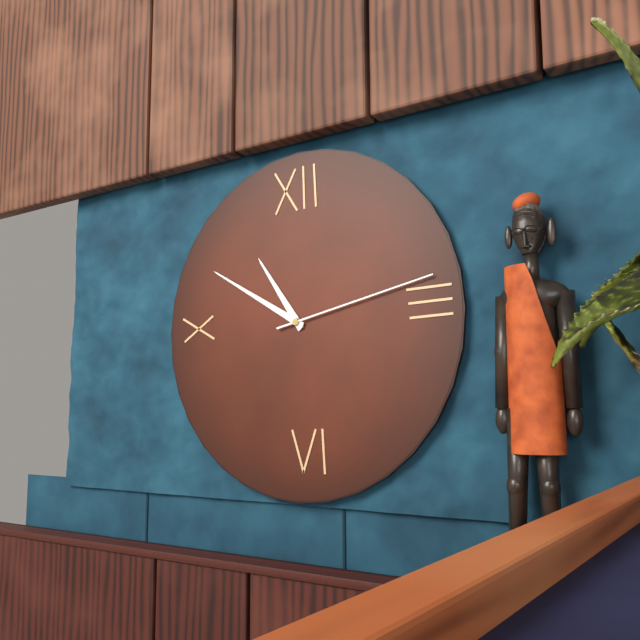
**10:50:13**
